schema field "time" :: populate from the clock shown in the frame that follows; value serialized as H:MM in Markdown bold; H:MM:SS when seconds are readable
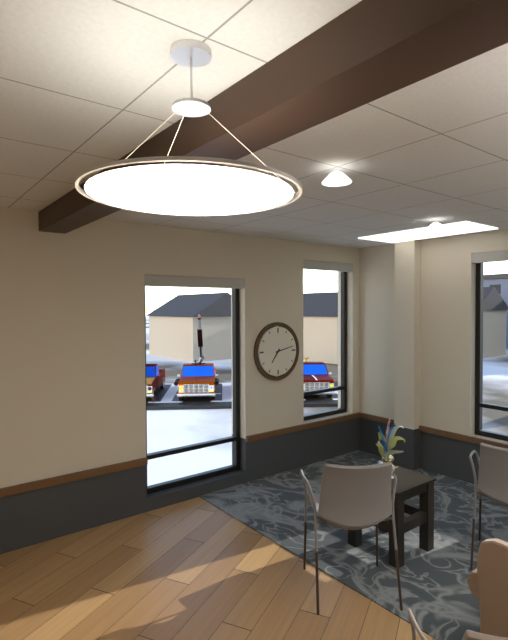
**7:13**
